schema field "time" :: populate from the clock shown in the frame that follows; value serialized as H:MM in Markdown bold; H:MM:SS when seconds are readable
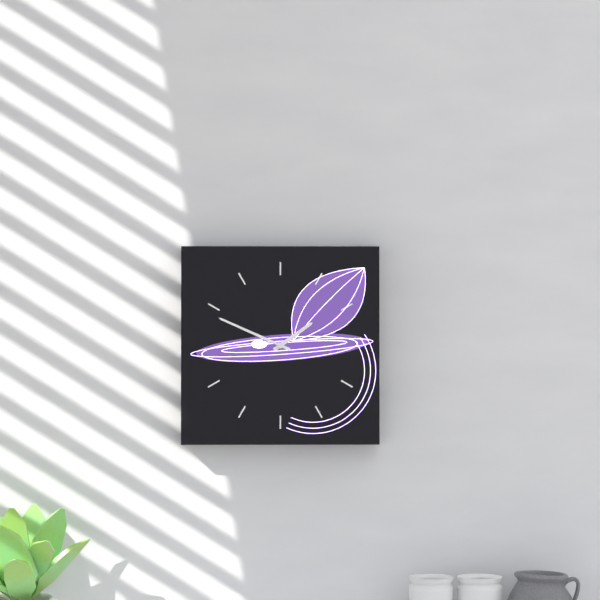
**1:49**
